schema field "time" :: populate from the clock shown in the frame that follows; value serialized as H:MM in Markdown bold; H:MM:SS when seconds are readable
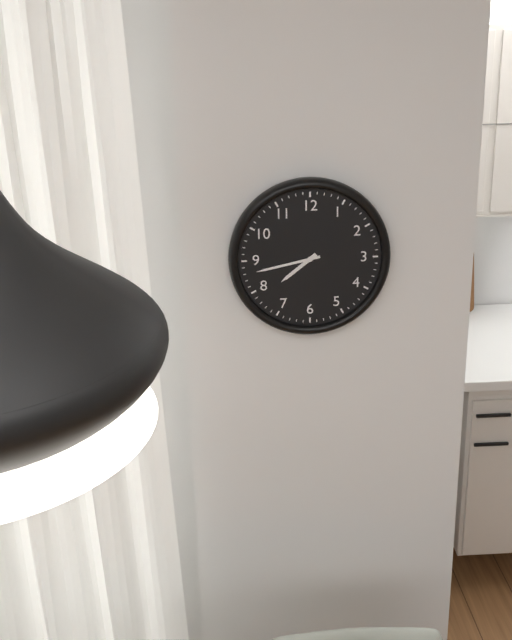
**7:43**
